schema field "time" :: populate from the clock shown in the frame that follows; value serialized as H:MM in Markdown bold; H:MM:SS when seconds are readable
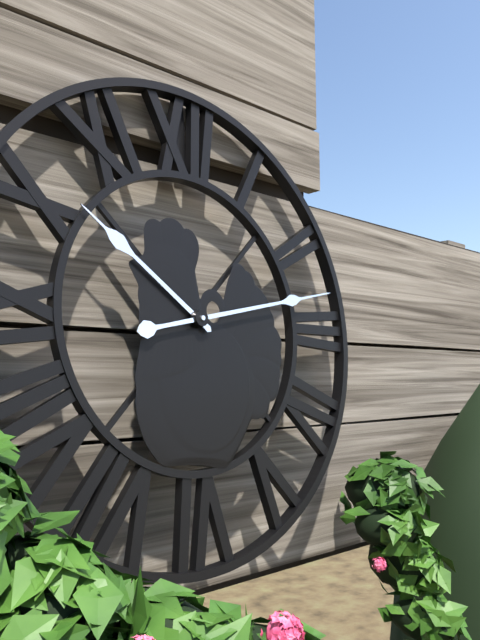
**10:13**
